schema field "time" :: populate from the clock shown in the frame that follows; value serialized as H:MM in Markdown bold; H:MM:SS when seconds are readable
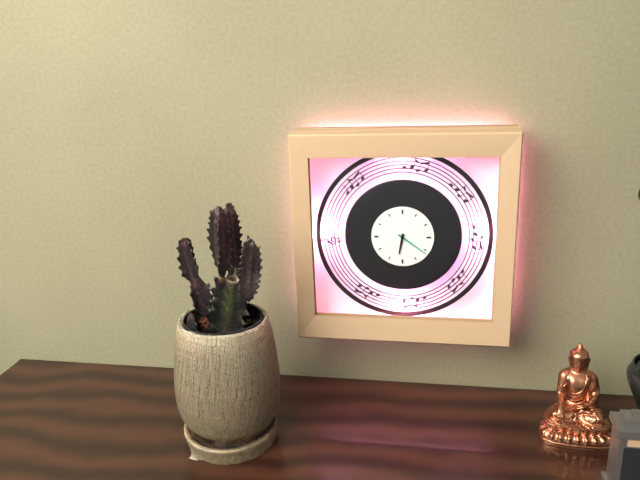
**6:21**
